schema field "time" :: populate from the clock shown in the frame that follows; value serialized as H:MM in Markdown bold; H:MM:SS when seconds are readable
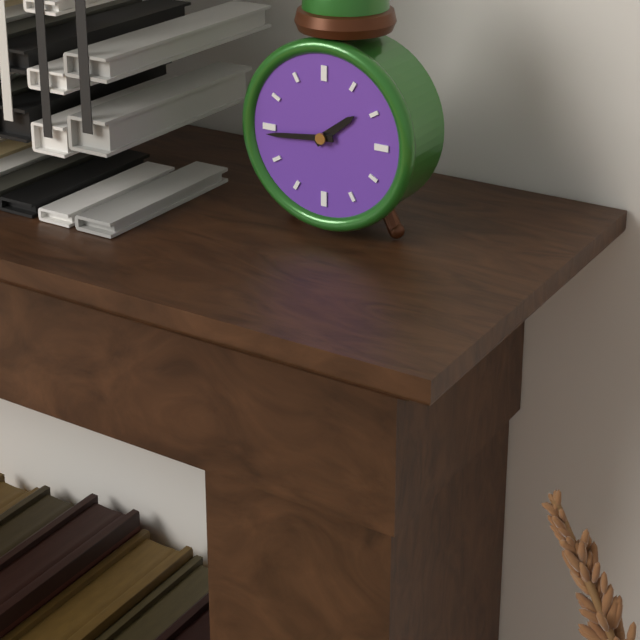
**1:44**
